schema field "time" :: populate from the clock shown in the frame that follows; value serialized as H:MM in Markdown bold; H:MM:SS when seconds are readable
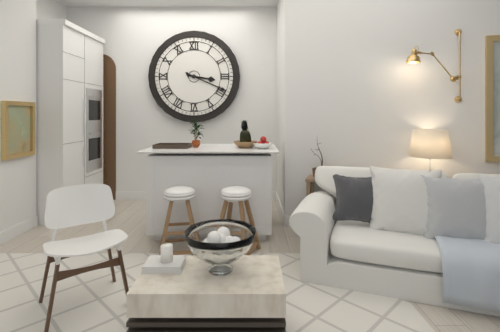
**3:19**
